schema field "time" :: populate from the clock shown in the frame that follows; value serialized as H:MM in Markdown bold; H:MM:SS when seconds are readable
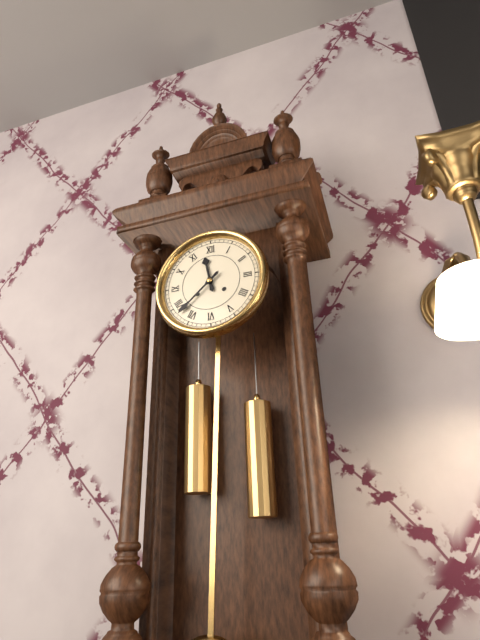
**11:38**
